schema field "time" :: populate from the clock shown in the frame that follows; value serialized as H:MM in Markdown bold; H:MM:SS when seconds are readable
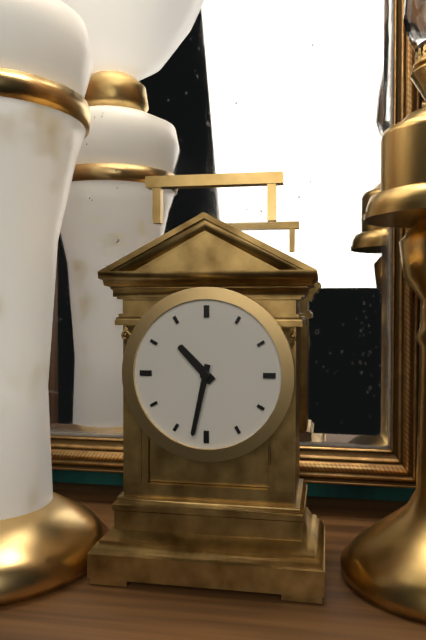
**10:32**
